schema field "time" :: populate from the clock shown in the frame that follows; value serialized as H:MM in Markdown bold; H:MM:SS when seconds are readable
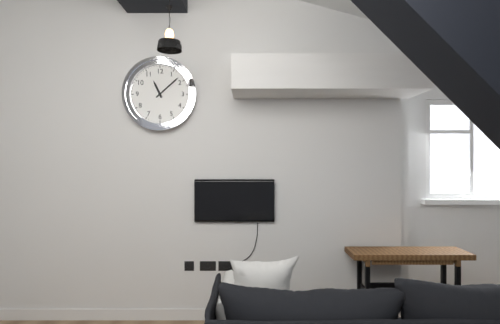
**11:08**
